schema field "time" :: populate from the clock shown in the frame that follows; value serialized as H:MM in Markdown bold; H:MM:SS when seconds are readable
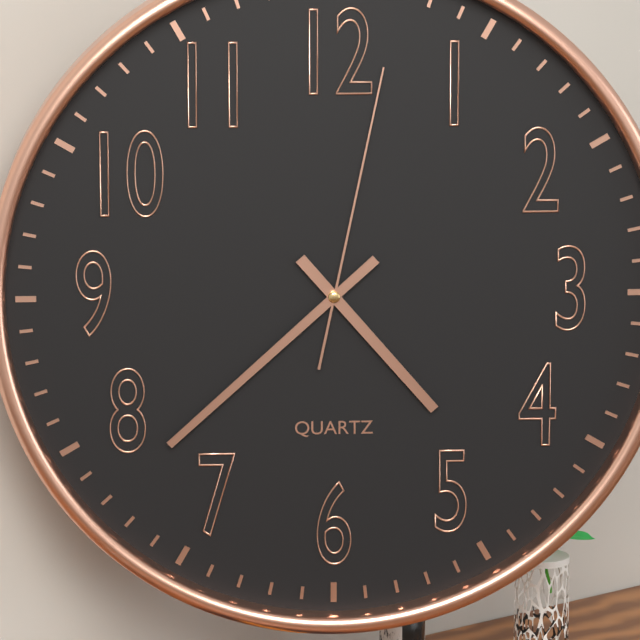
**4:38:02**
